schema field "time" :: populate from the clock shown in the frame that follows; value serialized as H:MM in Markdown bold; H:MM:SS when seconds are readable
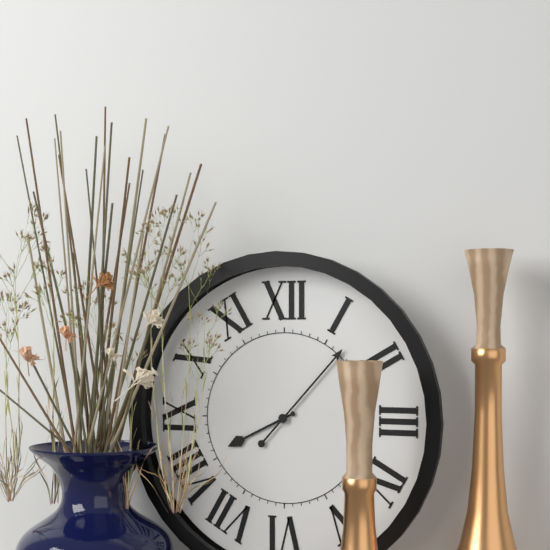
**8:07**
